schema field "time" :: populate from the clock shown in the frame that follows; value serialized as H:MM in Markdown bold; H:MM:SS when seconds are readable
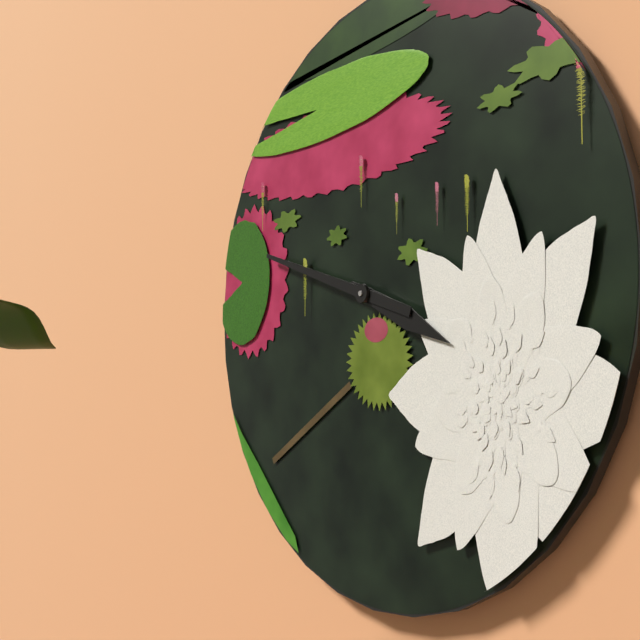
**3:48**
